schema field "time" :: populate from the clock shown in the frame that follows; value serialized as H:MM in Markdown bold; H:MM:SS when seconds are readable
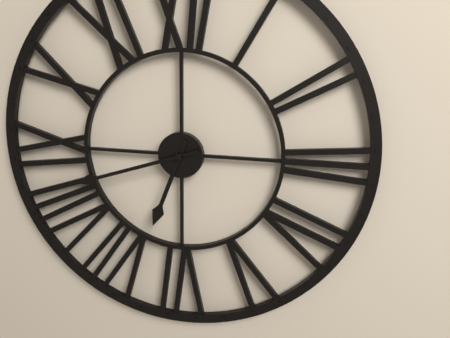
**6:42**
